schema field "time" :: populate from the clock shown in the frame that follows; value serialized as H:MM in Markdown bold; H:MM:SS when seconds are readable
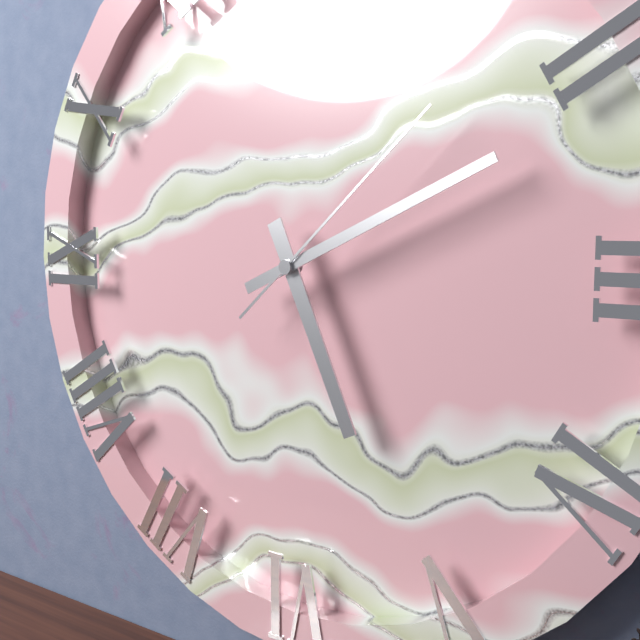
**5:11:08**
